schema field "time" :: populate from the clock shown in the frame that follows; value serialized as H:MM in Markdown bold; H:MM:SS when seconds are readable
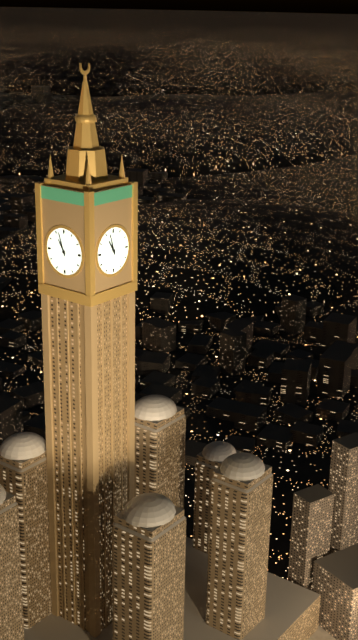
**10:57**
